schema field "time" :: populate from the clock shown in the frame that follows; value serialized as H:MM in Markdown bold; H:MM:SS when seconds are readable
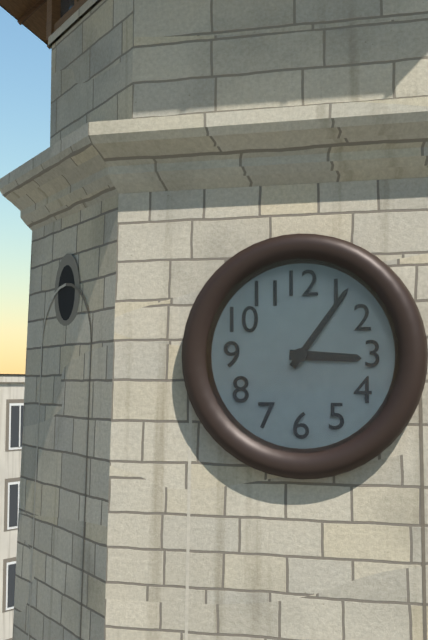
**3:06**
